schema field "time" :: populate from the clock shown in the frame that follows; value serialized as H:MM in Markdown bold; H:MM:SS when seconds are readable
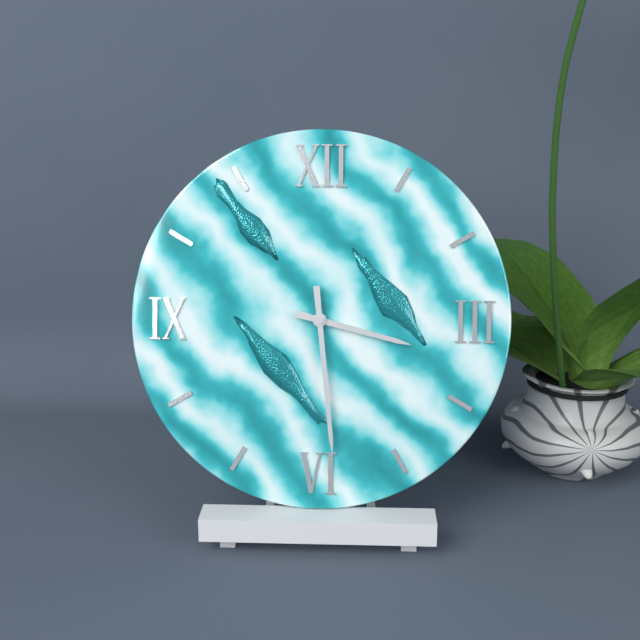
**3:29**
